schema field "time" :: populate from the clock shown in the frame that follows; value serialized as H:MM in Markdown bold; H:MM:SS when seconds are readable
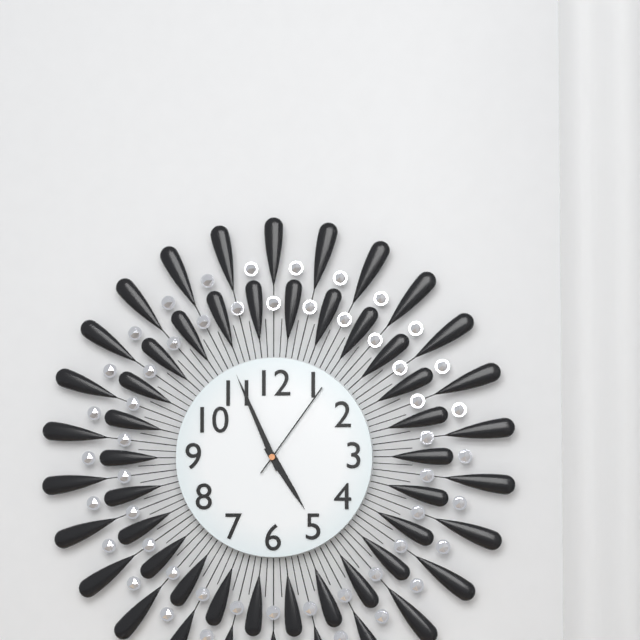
**4:56:06**
